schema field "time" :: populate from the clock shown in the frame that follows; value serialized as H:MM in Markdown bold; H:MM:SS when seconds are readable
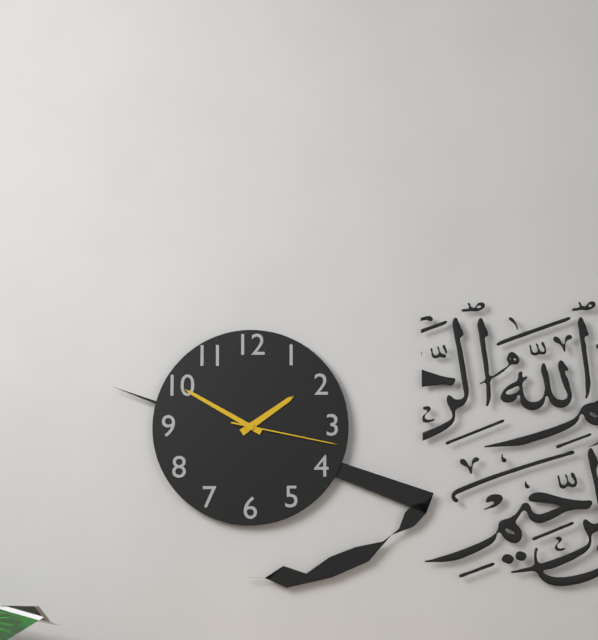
**1:50:17**
